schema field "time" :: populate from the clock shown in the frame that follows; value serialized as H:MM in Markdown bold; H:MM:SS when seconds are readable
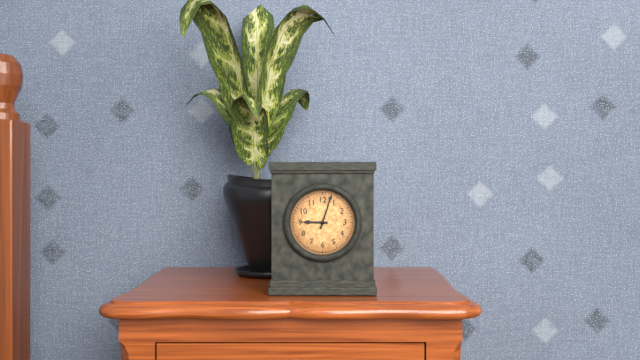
**9:03**
